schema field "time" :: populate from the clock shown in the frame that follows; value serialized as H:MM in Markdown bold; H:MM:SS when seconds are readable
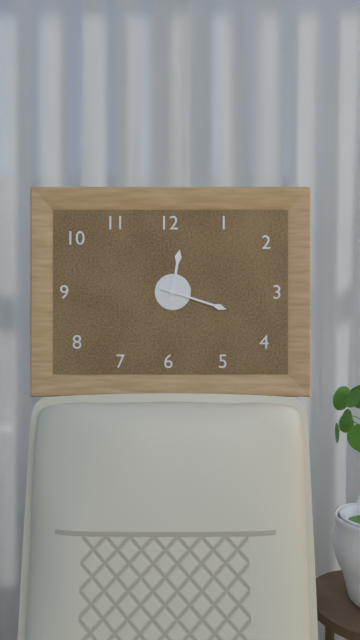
**12:18**
